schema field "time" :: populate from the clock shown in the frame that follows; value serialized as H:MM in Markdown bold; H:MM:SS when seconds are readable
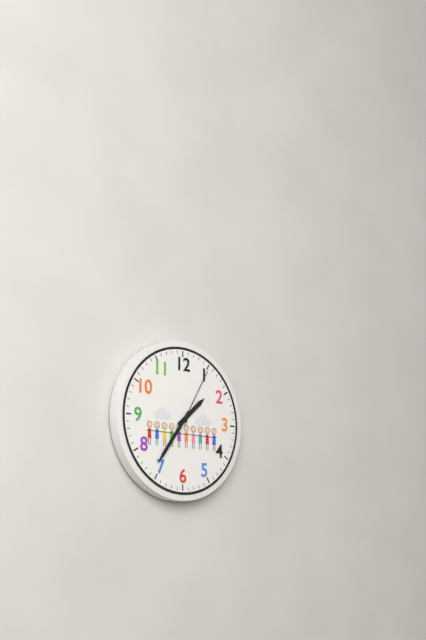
**1:36:05**
